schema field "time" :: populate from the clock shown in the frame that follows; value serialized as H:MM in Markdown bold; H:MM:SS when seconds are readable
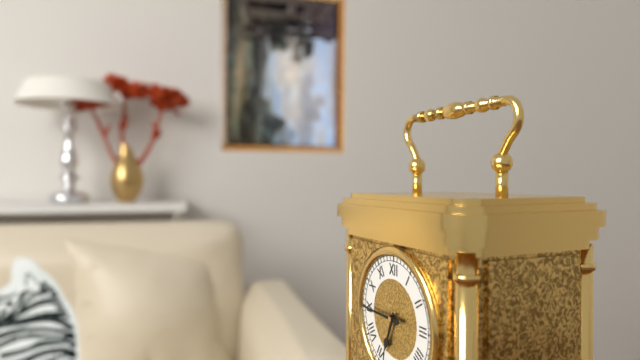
**6:45**
